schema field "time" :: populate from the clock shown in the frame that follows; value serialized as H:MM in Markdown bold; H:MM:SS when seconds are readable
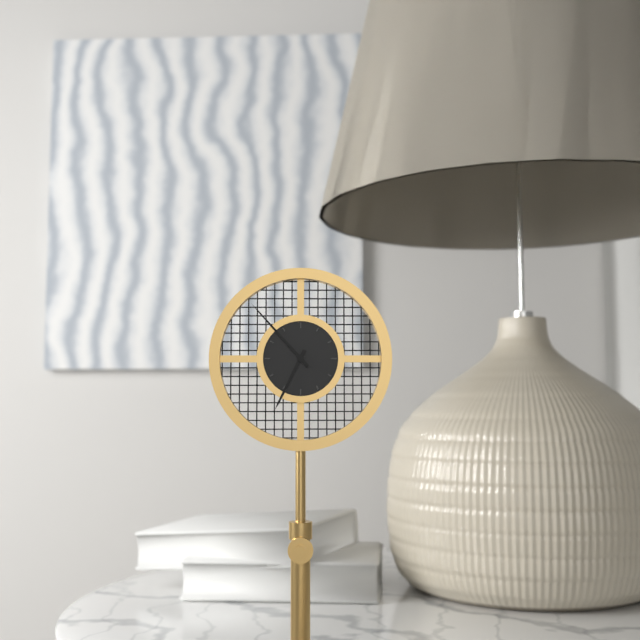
**6:53**
